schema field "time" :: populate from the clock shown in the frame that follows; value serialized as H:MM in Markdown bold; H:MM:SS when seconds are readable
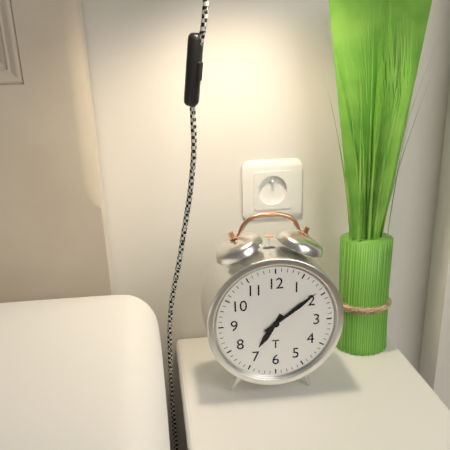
**7:09**
